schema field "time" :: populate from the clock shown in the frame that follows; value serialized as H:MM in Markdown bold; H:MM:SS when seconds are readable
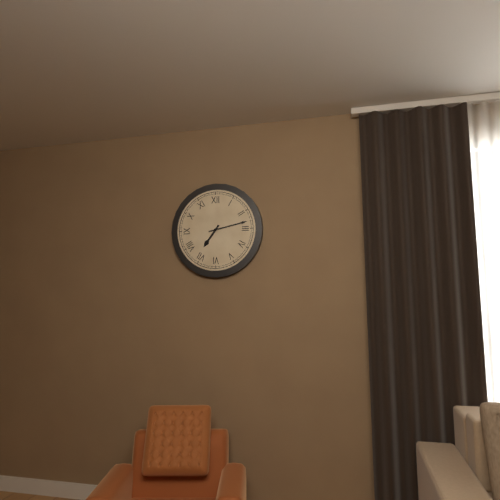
**7:13**
